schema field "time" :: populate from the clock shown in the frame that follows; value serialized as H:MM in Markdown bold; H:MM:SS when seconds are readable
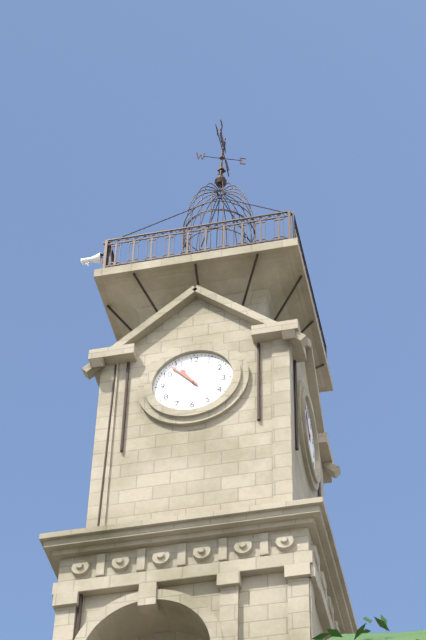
**10:53**
